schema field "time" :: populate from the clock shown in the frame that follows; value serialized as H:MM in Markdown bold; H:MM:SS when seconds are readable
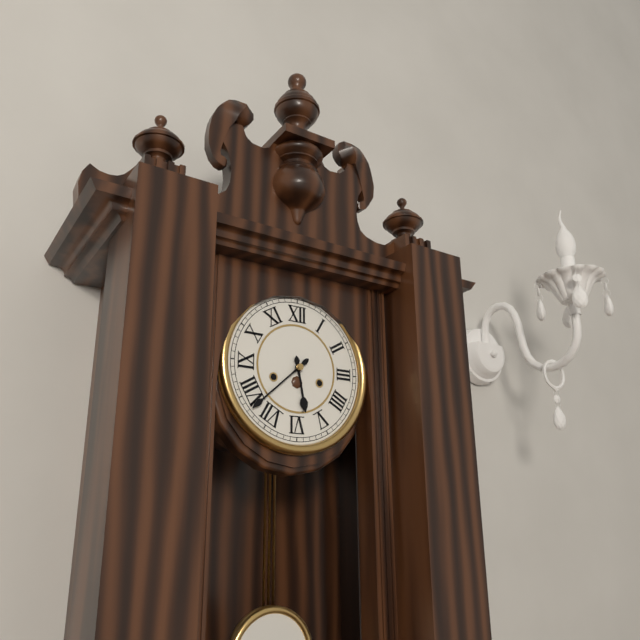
**5:38**
